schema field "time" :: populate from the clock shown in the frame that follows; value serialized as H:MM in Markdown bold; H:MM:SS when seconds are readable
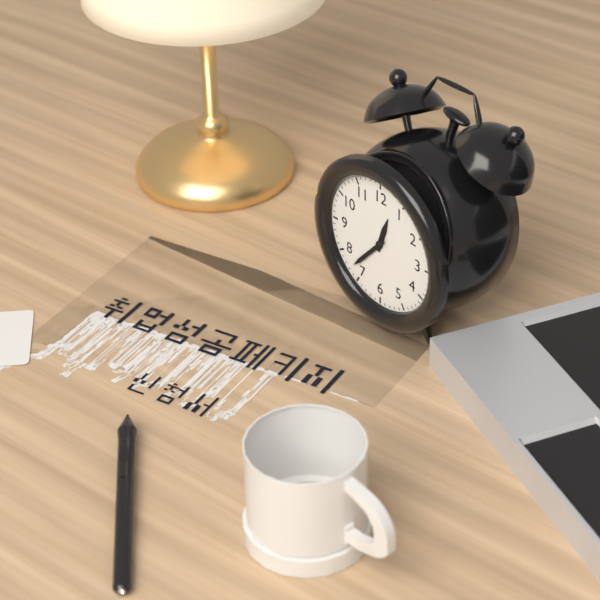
**12:37**
